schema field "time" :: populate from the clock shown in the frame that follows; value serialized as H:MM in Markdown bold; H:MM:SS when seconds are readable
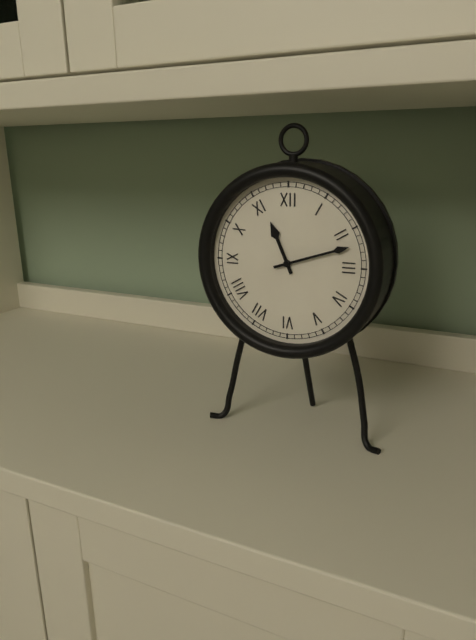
**11:12**
